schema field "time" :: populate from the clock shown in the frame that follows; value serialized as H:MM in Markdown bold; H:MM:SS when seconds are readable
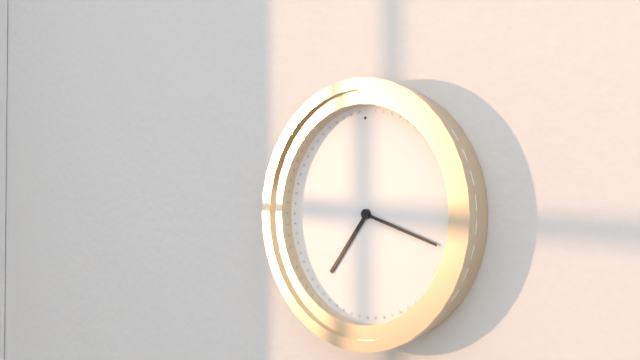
**7:18**
